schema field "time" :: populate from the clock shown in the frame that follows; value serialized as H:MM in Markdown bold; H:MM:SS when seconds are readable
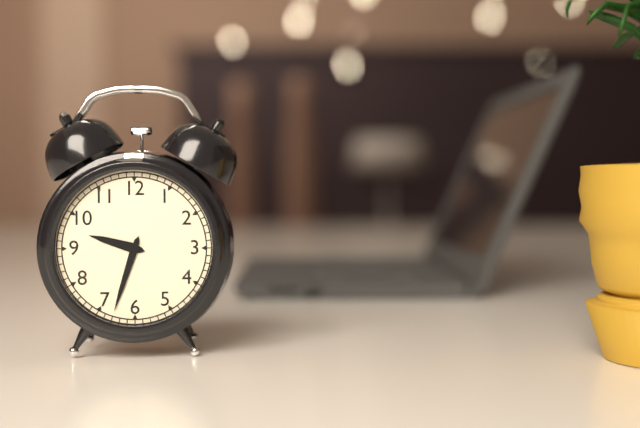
**9:33**
